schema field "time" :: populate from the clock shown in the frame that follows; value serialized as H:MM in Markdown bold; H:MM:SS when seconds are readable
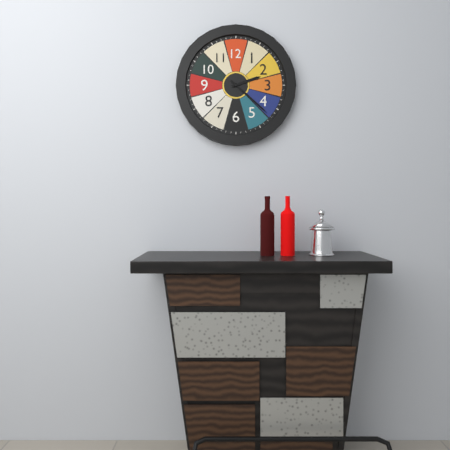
**2:22**
